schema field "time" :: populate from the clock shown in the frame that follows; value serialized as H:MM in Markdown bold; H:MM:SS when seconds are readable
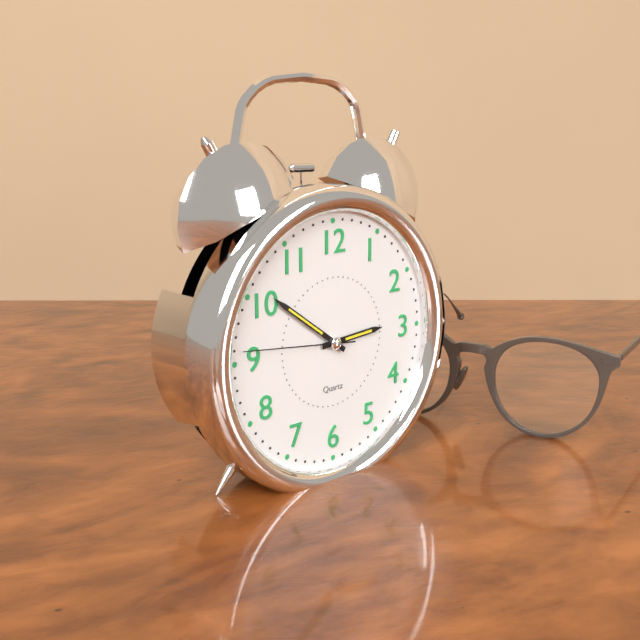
**2:51:46**
